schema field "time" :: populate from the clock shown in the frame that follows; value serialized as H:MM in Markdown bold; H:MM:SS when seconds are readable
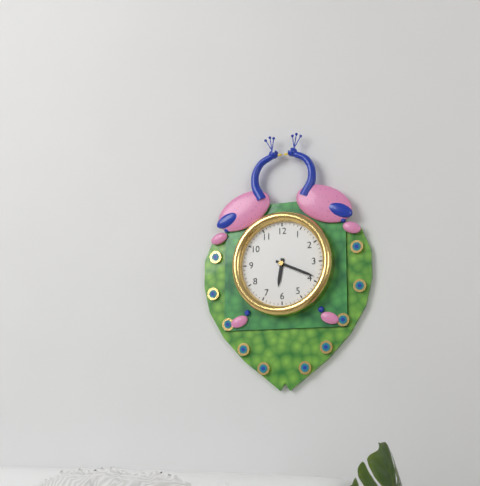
**6:19**
